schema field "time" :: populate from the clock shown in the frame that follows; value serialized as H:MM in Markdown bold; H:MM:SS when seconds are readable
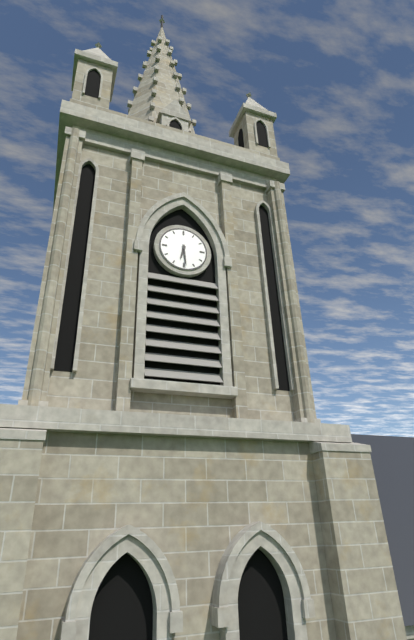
**6:29**
